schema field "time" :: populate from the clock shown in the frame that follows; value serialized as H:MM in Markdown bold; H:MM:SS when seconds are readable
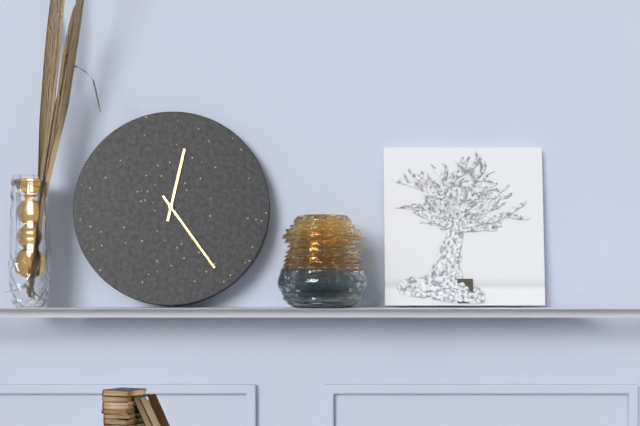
**12:24**
